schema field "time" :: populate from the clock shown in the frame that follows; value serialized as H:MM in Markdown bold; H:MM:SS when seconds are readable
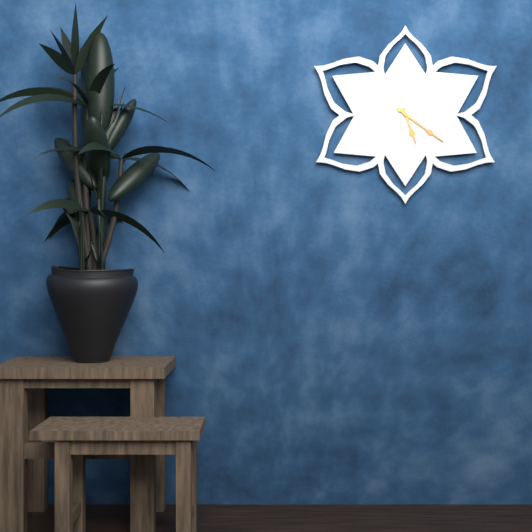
**5:21**
